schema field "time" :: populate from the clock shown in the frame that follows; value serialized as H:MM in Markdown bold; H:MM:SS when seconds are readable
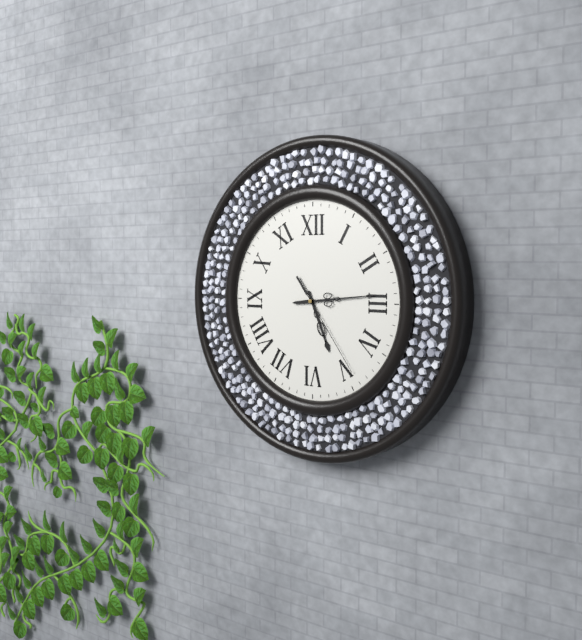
**5:14:24**
